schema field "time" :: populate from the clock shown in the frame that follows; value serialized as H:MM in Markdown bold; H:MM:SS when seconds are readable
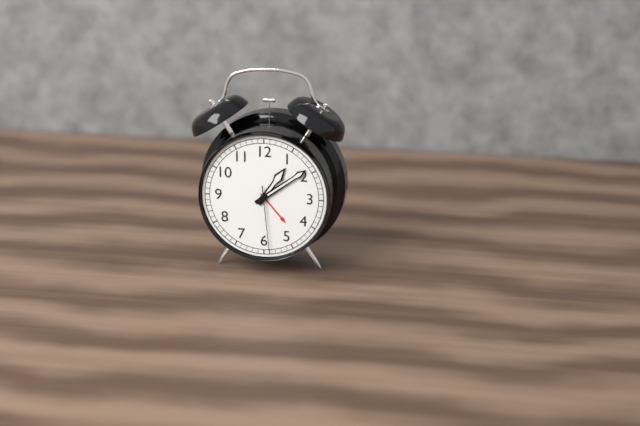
**1:09:29**
